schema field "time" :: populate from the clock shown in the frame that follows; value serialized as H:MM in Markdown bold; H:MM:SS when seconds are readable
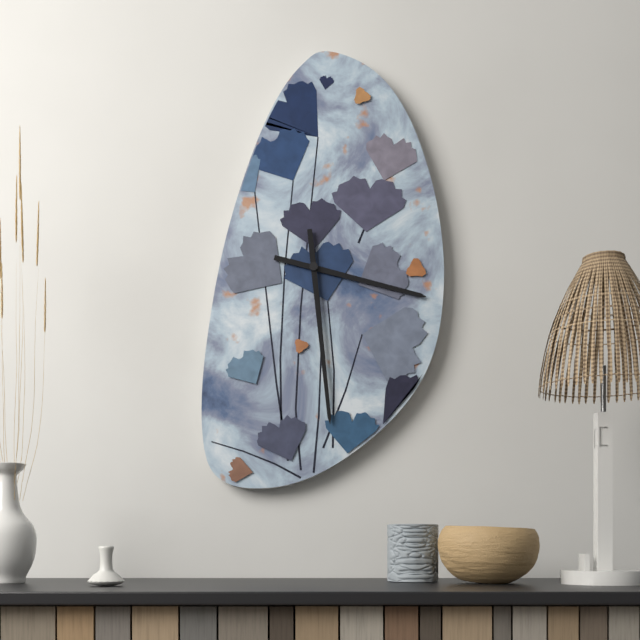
**3:29**
